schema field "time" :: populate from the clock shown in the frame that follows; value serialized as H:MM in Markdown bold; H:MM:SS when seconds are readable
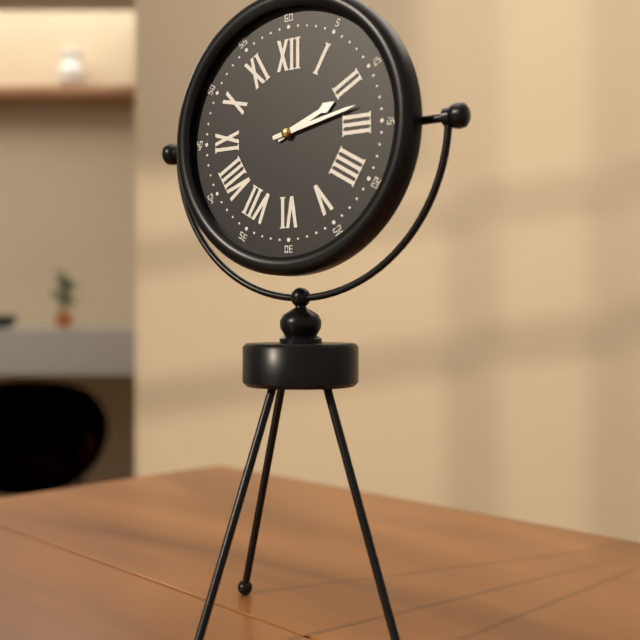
**2:13**
